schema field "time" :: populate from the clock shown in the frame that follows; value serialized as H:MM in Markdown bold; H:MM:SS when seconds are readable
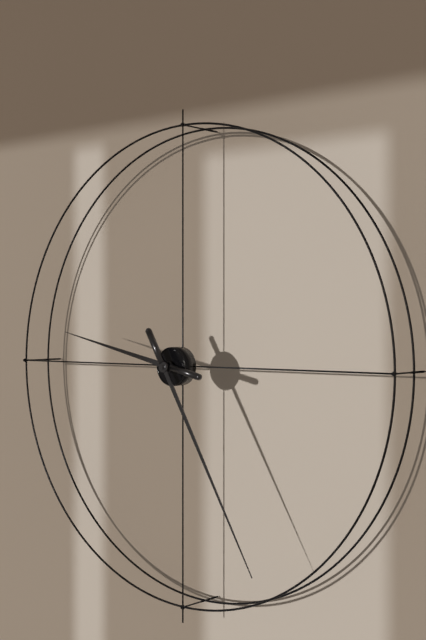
**9:25**
